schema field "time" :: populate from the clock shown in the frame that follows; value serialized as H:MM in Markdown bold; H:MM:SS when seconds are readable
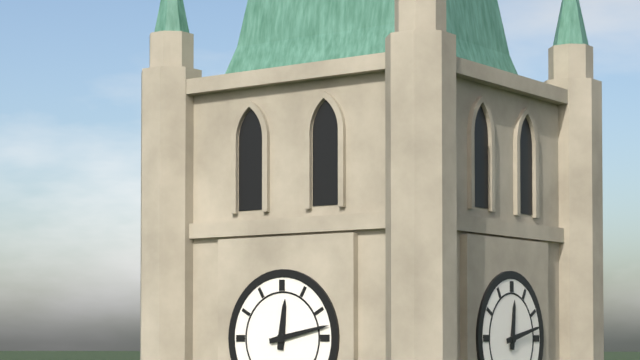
**12:13**
